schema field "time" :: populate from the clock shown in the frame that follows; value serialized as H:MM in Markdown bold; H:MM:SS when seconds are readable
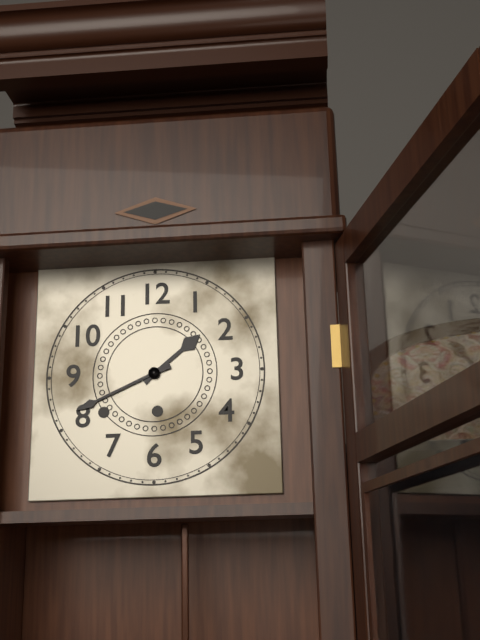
**1:41**
